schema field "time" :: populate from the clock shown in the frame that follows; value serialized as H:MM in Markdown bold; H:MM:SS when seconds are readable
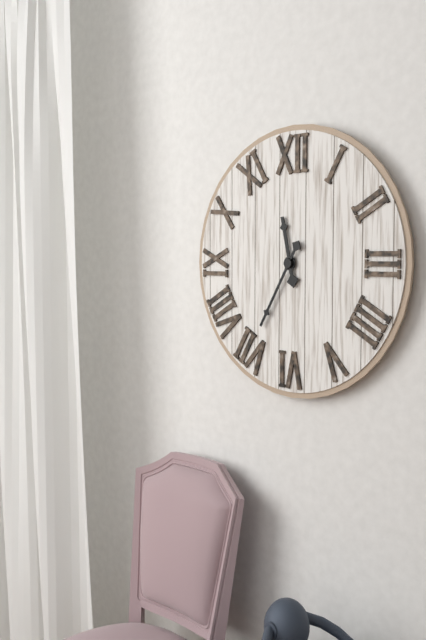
**11:35**
